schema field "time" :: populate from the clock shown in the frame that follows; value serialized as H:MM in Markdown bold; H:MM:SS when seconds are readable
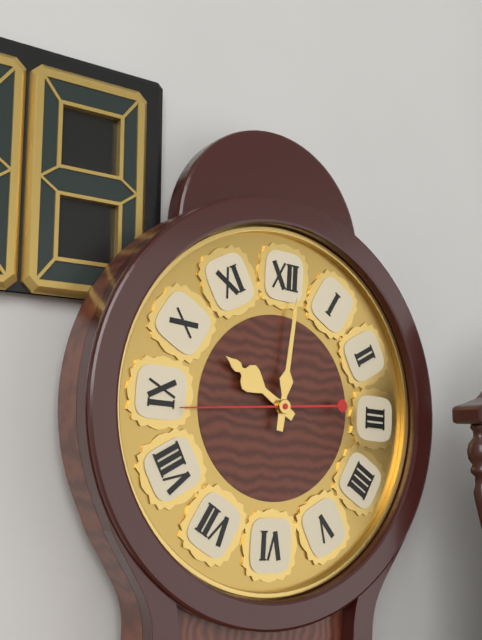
**10:01:44**
